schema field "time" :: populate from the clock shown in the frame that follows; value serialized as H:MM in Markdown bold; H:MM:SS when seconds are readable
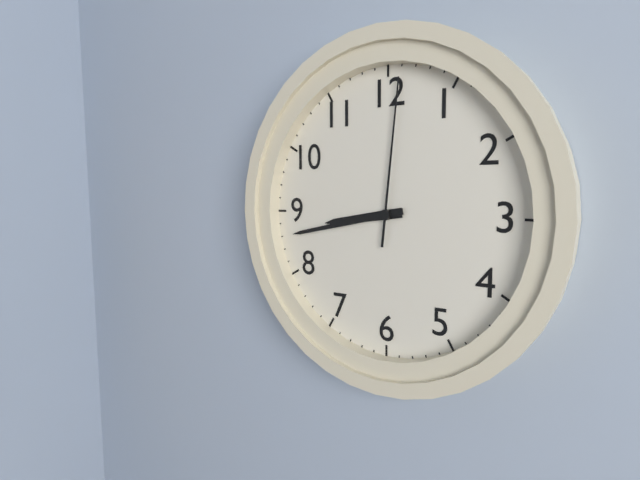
**8:43:01**
